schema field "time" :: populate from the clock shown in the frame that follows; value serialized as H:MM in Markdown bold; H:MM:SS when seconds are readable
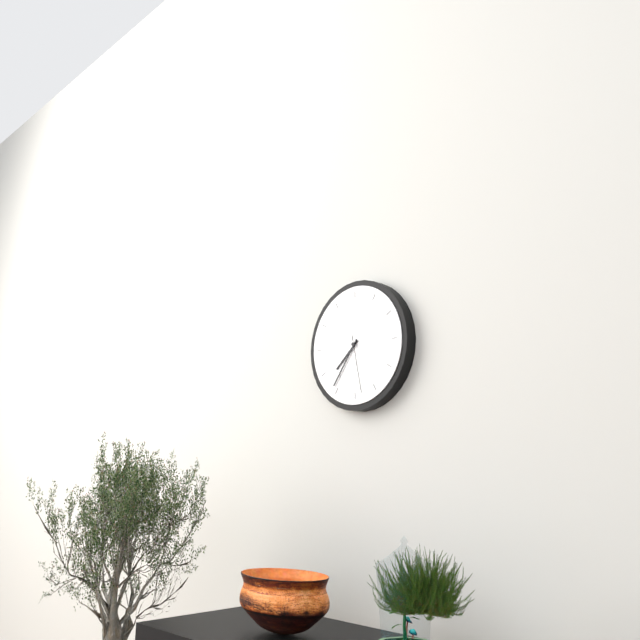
**7:36:28**
